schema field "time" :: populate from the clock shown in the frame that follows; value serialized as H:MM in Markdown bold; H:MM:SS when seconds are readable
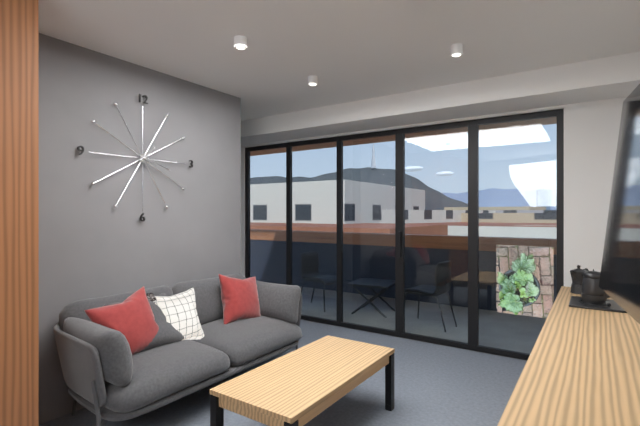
**1:18**
